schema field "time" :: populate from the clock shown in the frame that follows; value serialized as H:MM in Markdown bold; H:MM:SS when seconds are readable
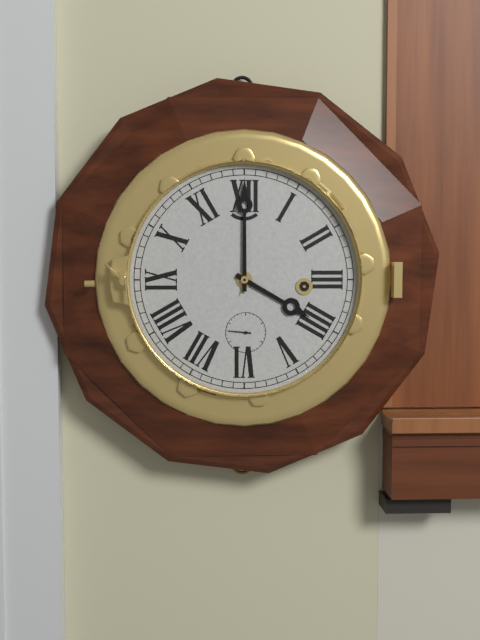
**4:00**
